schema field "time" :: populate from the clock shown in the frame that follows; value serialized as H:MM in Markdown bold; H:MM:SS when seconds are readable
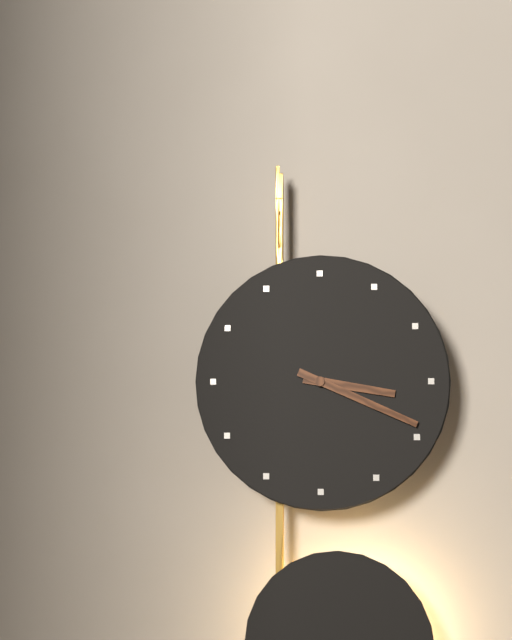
**3:19**
